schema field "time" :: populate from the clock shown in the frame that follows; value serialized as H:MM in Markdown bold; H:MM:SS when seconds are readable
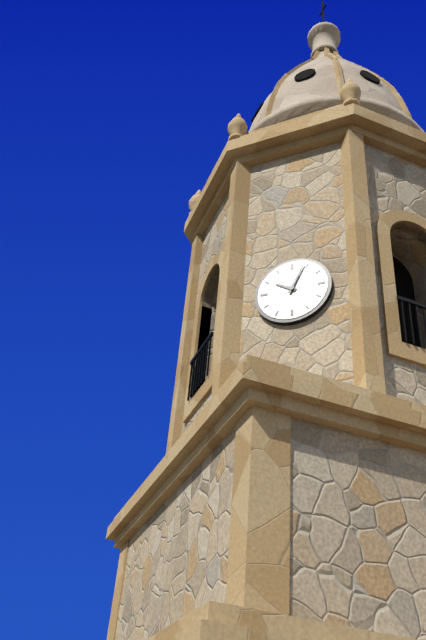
**10:04**
